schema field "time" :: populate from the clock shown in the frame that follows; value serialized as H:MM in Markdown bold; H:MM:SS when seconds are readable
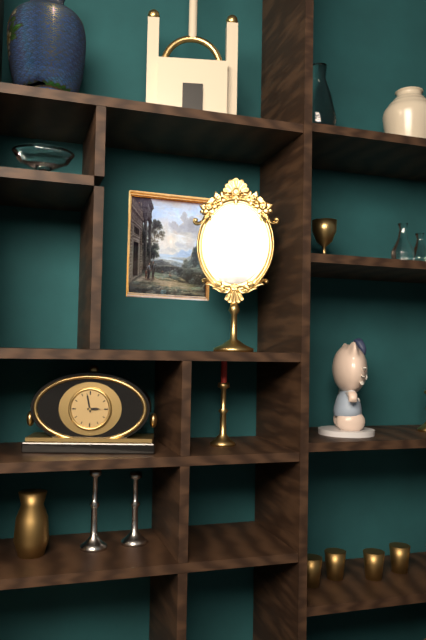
**2:58**
